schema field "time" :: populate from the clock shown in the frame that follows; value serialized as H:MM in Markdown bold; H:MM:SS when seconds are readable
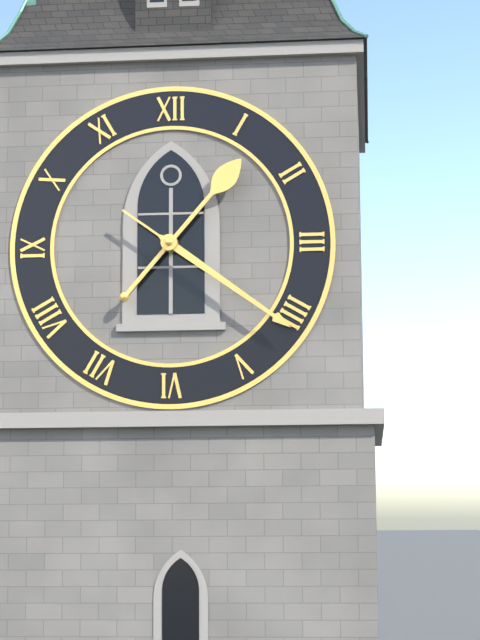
**1:21**
